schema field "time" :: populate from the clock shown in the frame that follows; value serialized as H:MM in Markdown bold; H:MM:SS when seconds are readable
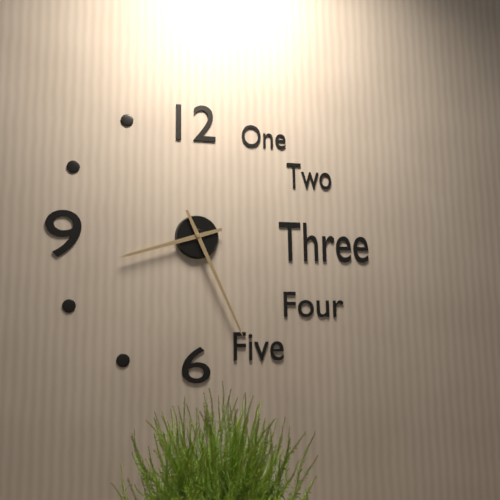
**8:26**
